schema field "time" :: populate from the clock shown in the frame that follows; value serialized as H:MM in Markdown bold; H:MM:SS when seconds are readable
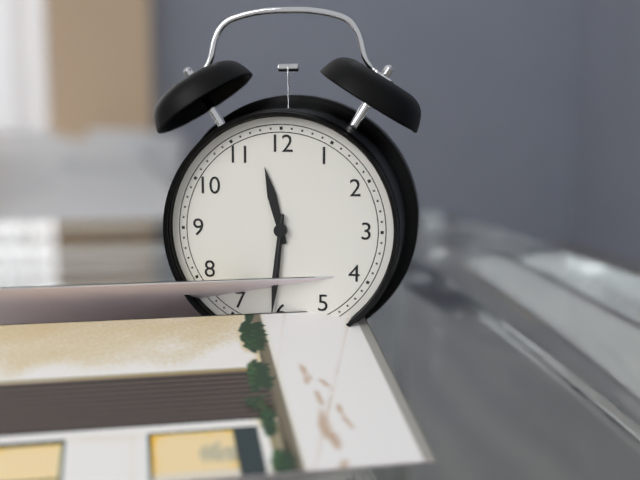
**11:31:31**
